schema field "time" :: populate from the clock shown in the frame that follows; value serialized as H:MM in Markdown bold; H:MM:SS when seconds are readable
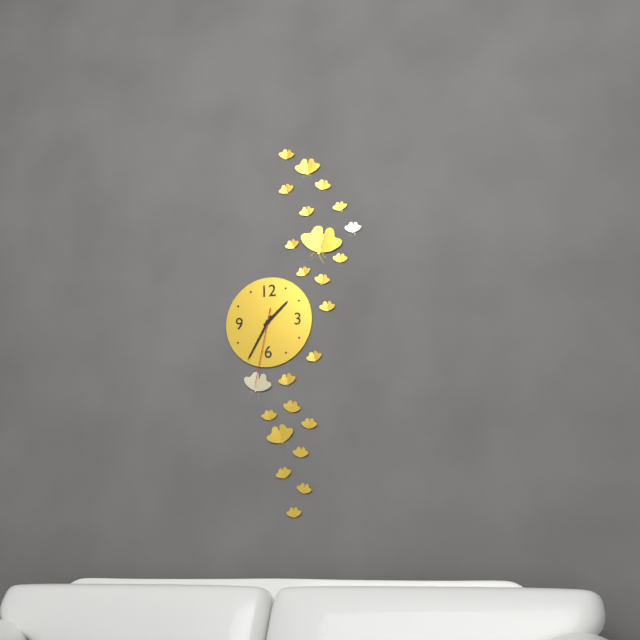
**1:35:32**
